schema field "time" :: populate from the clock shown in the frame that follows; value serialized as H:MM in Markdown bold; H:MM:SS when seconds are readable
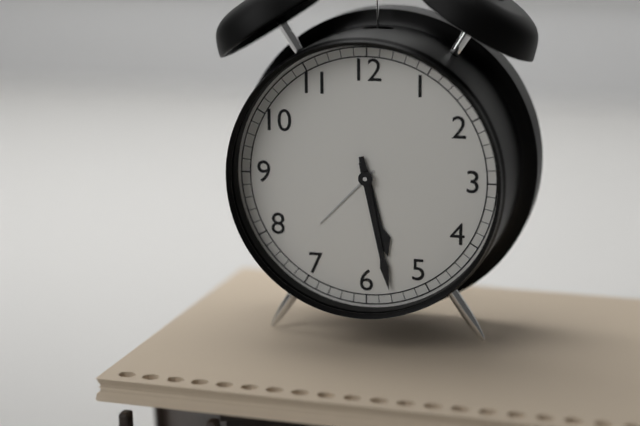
**5:28**
